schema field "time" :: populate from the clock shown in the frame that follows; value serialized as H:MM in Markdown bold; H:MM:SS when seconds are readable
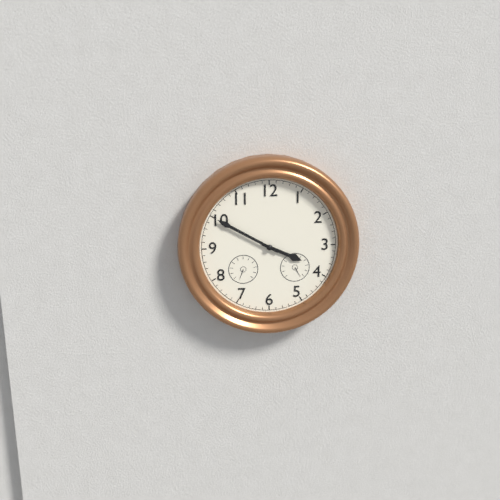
**3:50**
